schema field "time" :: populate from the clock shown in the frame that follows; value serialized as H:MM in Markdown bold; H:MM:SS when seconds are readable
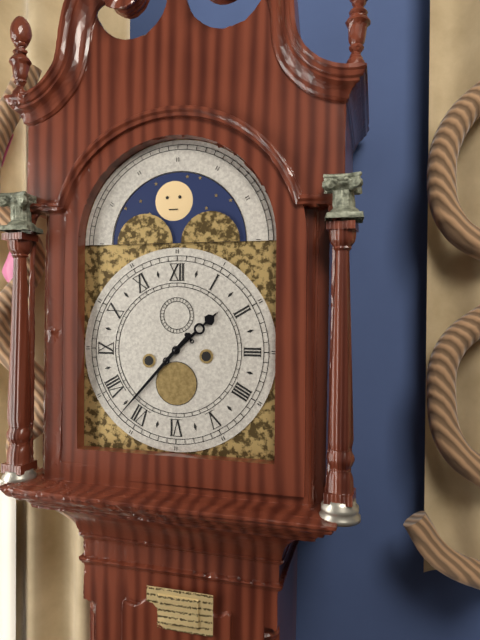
**1:37**
